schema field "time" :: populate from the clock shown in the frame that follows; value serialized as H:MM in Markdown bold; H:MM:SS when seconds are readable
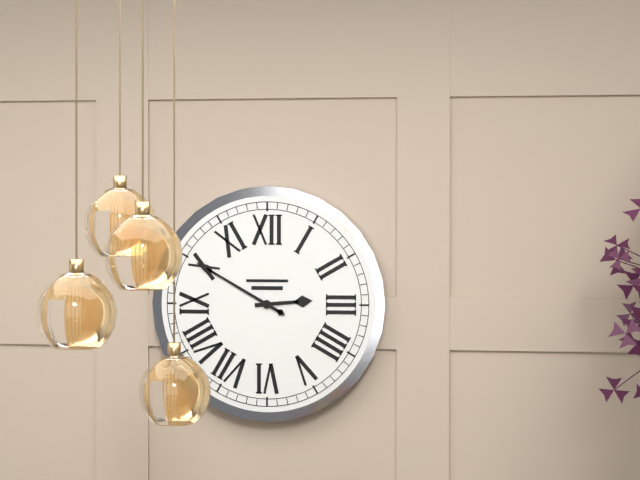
**2:50**
